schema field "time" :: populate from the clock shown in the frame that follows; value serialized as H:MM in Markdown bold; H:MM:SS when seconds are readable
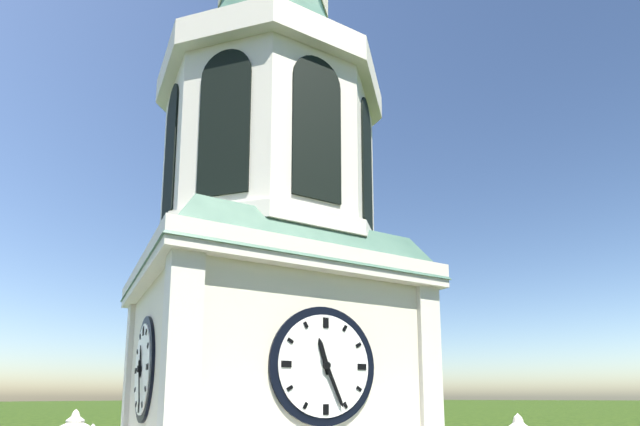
**11:26**
